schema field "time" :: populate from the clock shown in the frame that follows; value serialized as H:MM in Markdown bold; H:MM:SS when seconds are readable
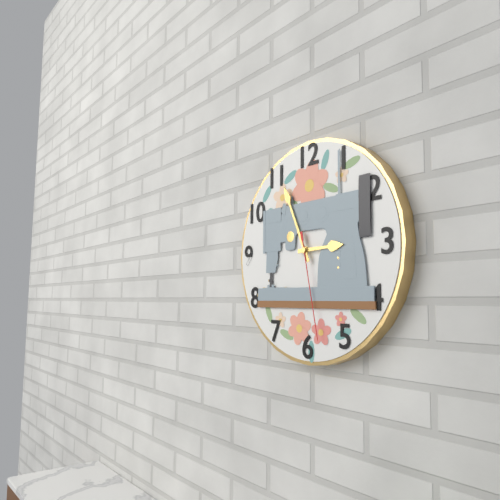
**2:56:28**
